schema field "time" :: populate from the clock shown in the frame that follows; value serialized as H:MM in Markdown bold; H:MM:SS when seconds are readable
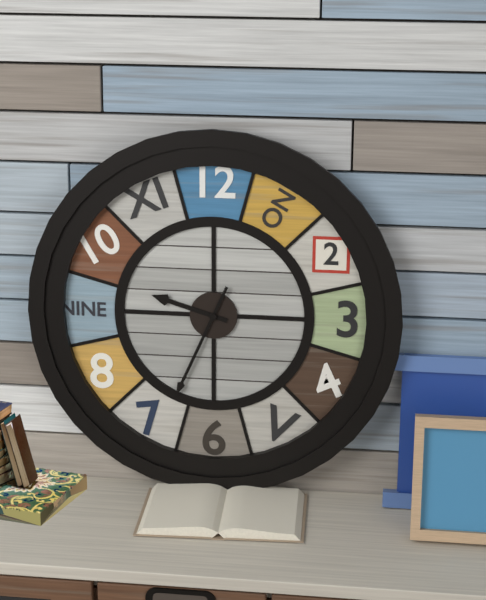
**9:34**
